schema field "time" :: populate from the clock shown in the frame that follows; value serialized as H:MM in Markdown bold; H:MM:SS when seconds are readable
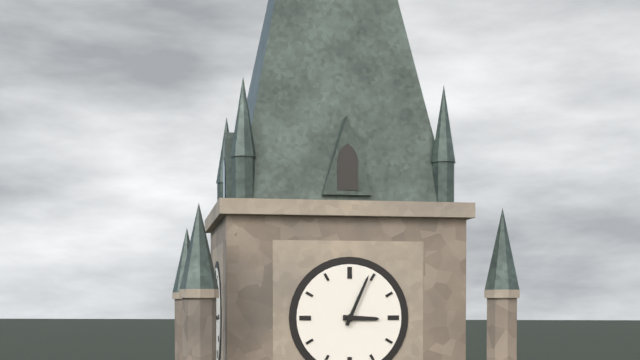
**3:04**
